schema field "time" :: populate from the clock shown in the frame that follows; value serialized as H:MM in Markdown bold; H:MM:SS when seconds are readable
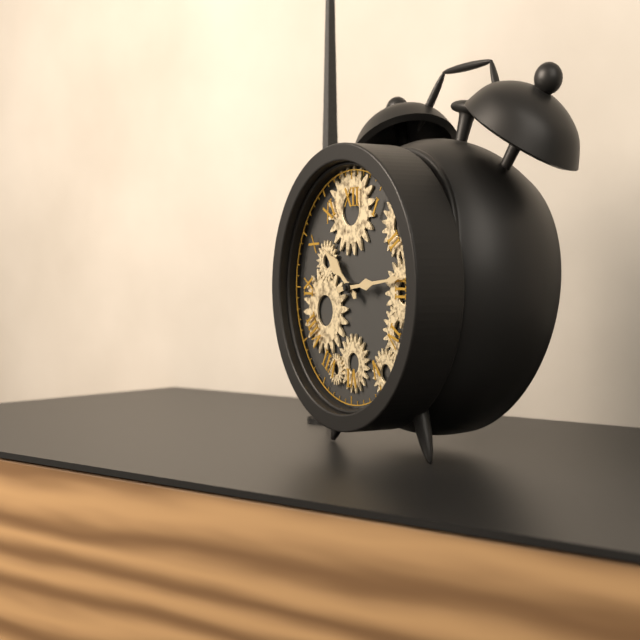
**10:14**
